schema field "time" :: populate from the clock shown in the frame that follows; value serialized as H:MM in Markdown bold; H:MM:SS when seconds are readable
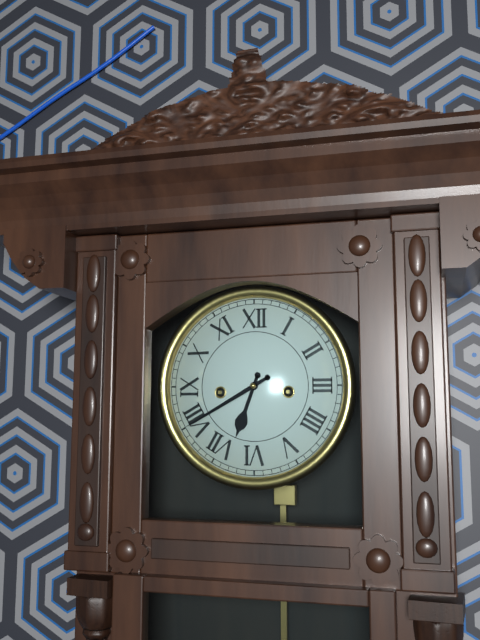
**6:40**
